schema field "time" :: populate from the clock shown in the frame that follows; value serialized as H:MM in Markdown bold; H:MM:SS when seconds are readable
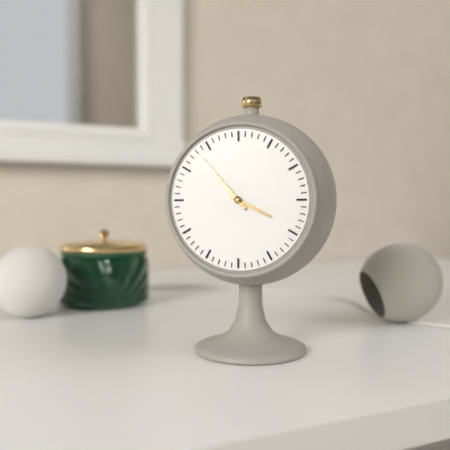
**3:53**
